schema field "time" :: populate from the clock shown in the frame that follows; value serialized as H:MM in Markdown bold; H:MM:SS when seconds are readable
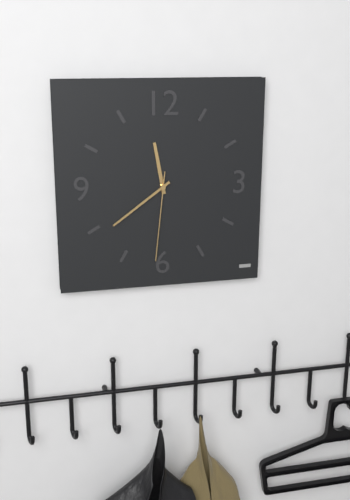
**11:39:31**
